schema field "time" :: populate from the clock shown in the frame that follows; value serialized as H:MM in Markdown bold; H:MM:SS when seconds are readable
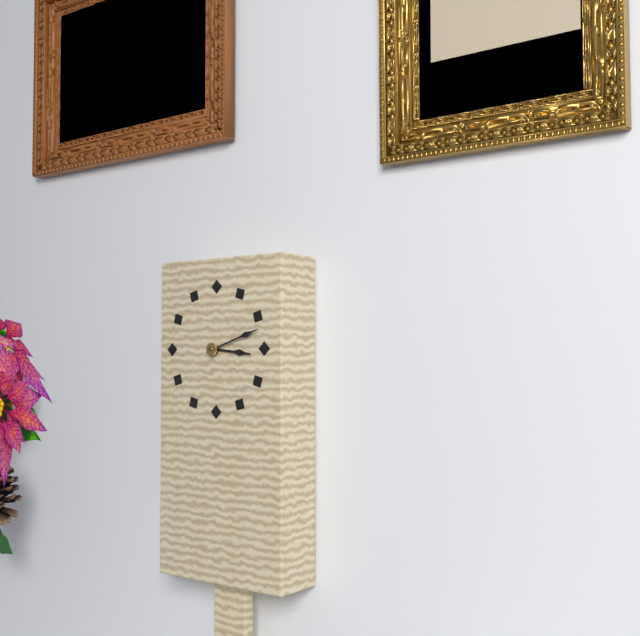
**3:12**
